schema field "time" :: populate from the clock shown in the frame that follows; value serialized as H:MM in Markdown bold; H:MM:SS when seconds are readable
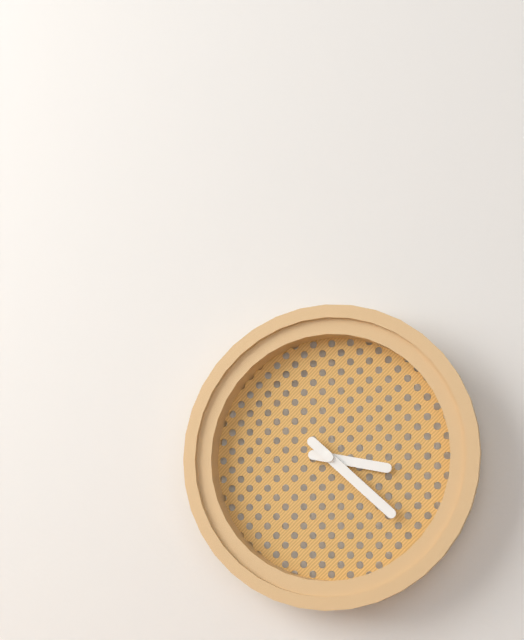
**3:22**
